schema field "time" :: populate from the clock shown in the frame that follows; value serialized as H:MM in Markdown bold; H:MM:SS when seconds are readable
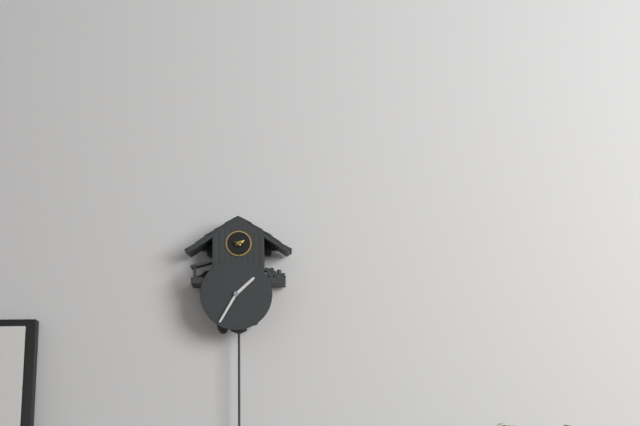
**1:35**
